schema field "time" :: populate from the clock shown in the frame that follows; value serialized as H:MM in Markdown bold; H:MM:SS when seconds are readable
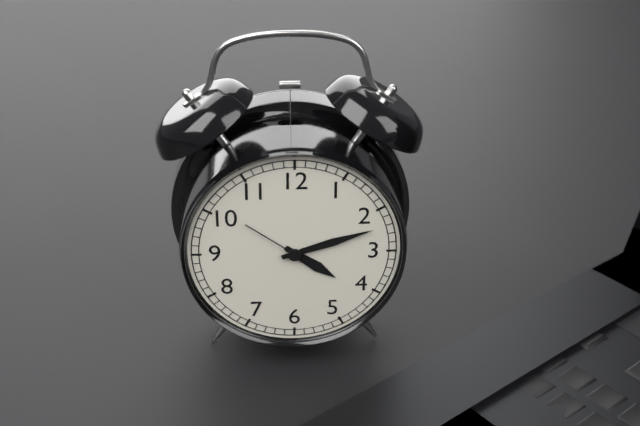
**4:12:51**
